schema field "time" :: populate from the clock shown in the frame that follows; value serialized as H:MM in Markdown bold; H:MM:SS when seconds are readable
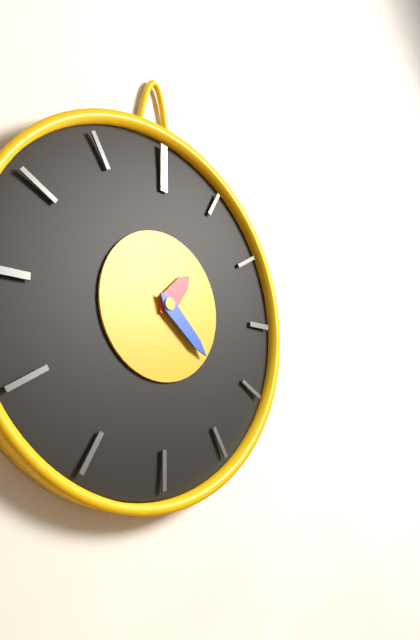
**1:22**
